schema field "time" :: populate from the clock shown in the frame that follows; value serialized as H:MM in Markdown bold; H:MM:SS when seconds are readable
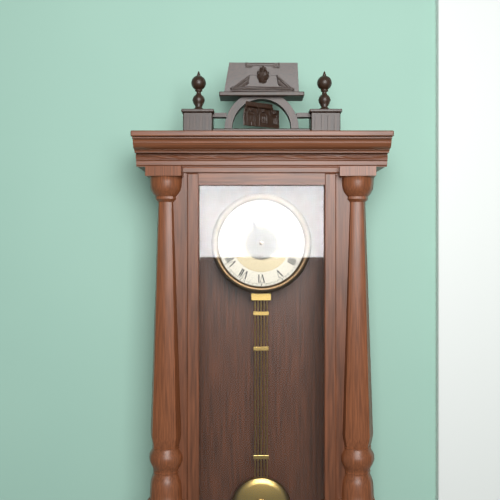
**11:18**
